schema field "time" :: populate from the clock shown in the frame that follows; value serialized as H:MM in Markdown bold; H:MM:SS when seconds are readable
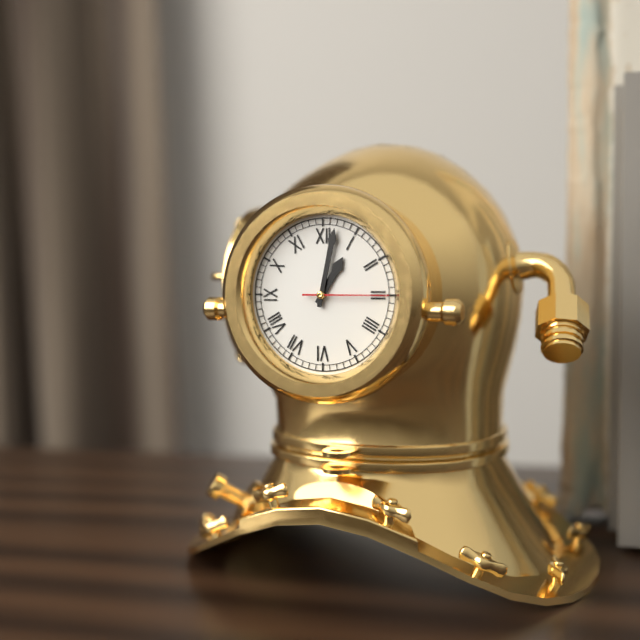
**1:02:15**
